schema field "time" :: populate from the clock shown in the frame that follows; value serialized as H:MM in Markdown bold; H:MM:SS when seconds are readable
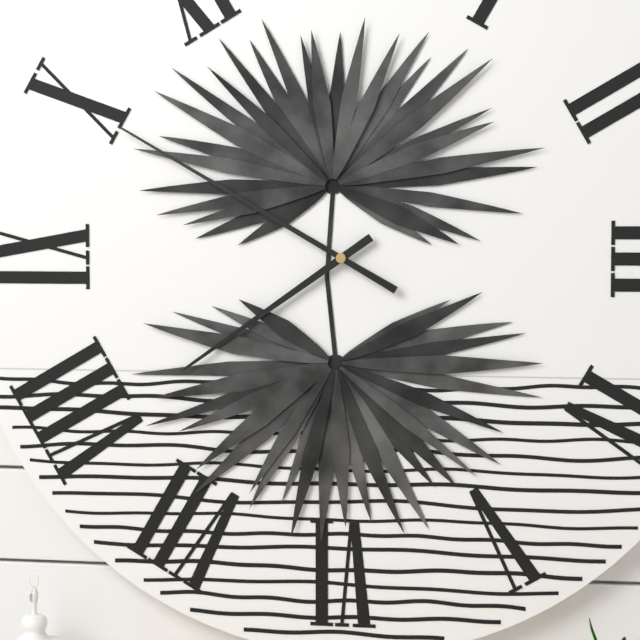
**7:50**
